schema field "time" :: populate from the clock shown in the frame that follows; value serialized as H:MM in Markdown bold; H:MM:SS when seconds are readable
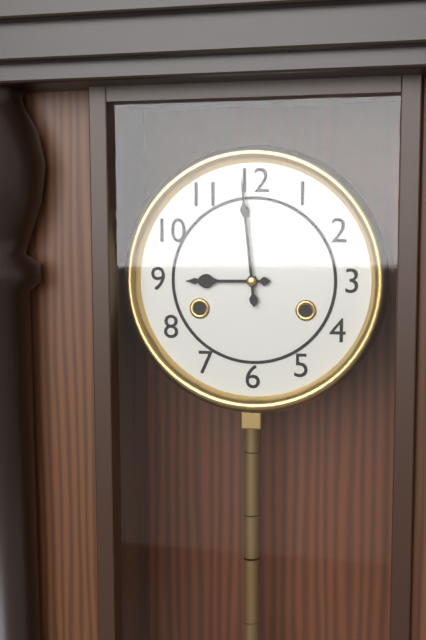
**8:59**
